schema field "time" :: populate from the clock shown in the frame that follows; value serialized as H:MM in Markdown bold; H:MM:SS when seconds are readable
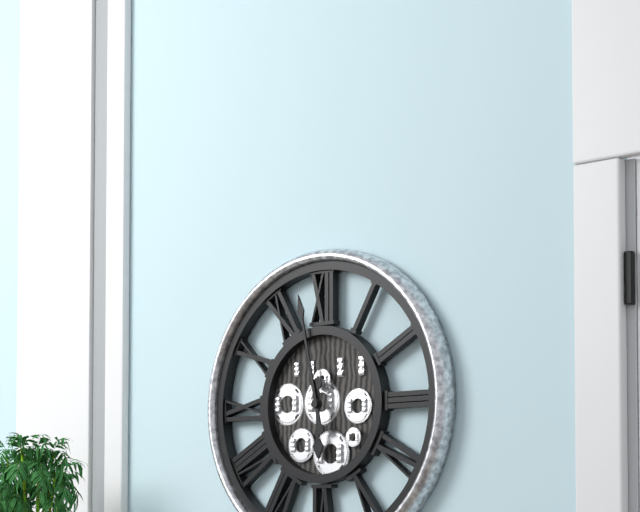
**5:58**
